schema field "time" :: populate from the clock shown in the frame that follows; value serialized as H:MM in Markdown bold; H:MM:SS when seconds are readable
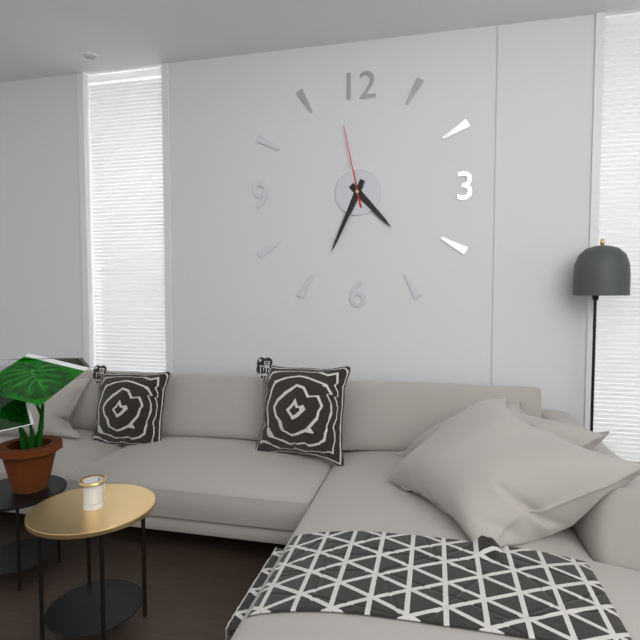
**4:34:58**
